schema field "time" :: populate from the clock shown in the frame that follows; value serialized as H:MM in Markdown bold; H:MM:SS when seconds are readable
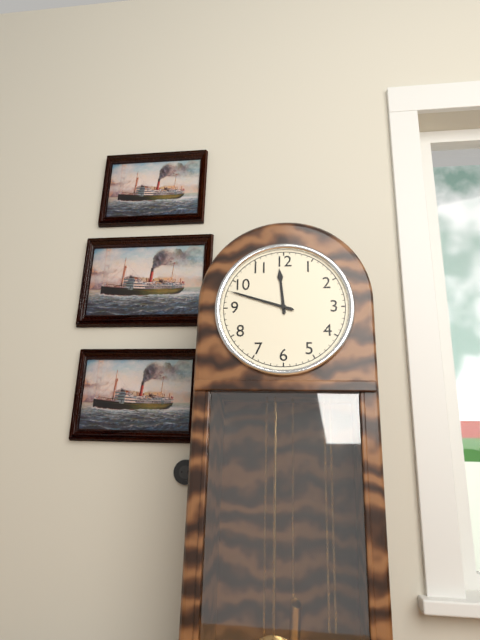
**11:48**
